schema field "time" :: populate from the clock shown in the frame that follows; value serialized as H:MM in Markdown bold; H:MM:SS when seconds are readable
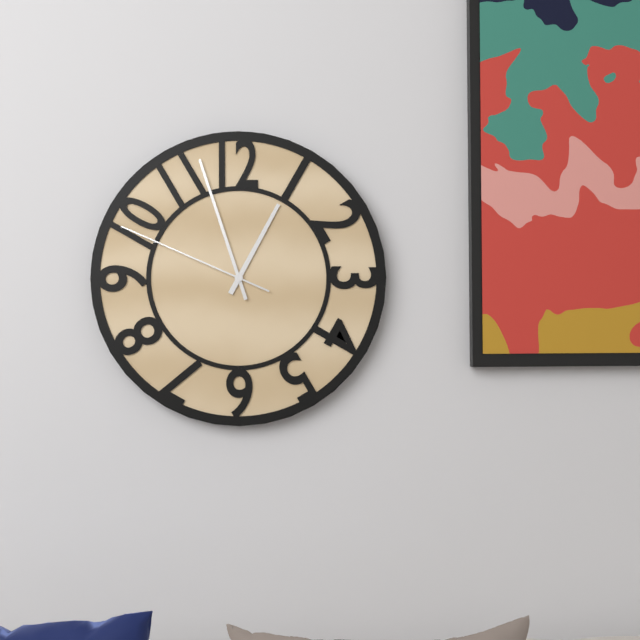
**12:57:49**
